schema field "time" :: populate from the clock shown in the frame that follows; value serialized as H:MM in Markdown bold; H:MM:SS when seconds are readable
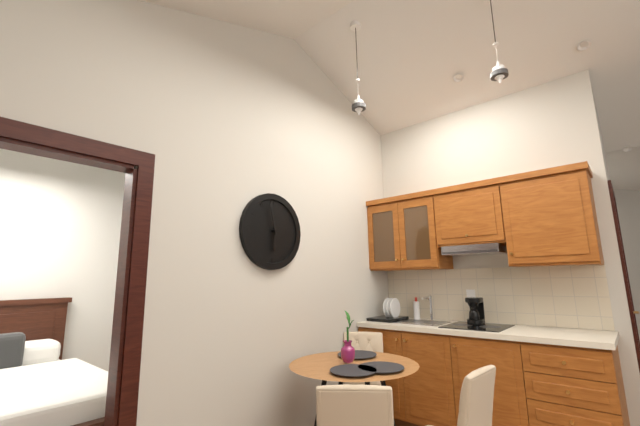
**5:58**
